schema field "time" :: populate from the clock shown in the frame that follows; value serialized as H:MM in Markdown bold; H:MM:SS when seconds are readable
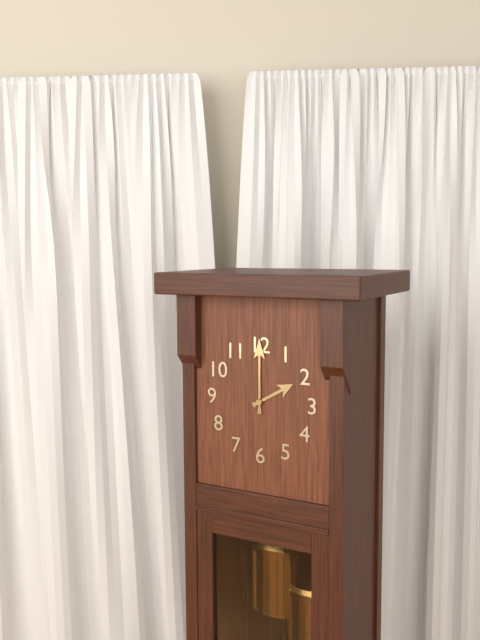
**2:00**
